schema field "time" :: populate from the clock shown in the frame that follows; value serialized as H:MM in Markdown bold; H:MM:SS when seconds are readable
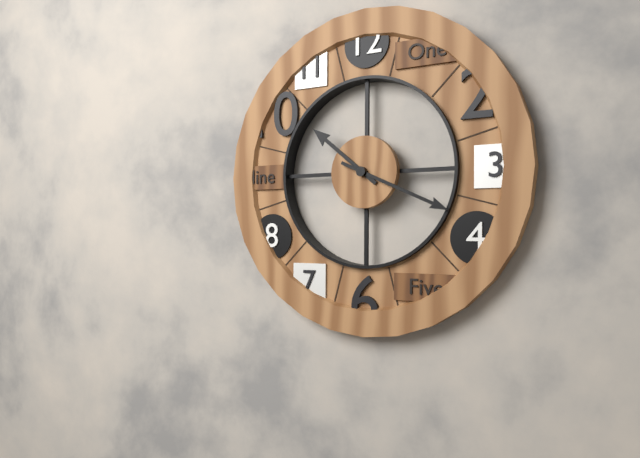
**10:19**
